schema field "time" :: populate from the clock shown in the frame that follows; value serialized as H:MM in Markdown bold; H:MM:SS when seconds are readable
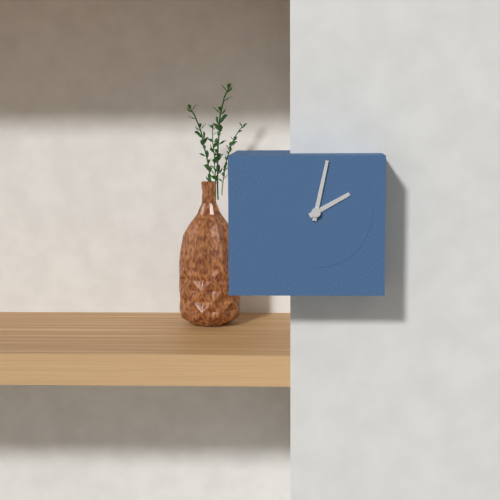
**2:02**
